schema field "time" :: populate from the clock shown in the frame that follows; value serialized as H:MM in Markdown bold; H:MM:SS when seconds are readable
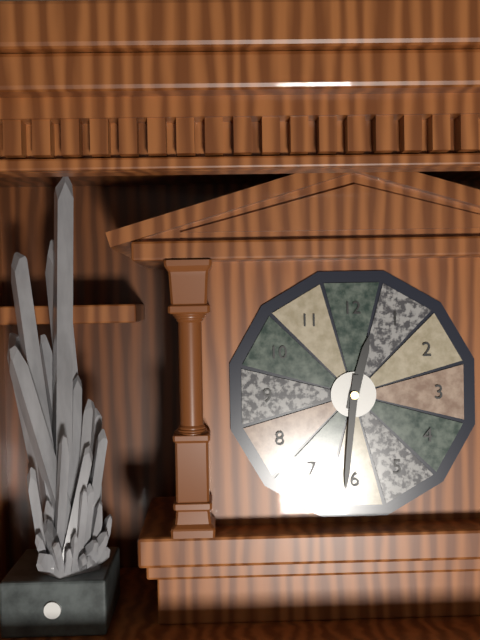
**12:31**
